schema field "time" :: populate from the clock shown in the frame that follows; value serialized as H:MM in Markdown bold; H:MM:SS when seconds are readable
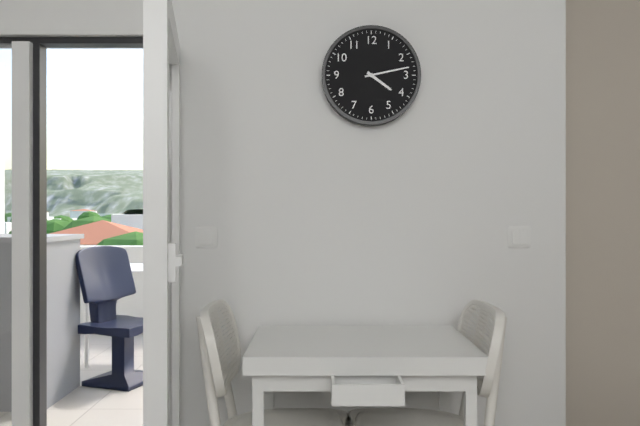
**4:13**
